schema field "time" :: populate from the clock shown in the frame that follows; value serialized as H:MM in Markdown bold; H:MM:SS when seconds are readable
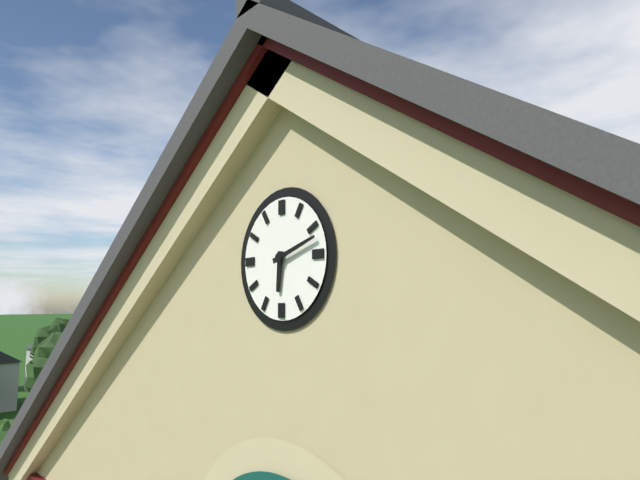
**6:12**
